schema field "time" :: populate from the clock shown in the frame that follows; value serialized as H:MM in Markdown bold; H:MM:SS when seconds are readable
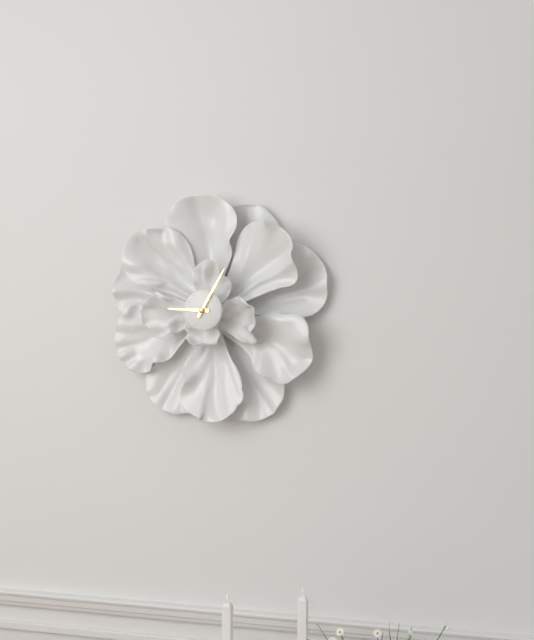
**9:05**
